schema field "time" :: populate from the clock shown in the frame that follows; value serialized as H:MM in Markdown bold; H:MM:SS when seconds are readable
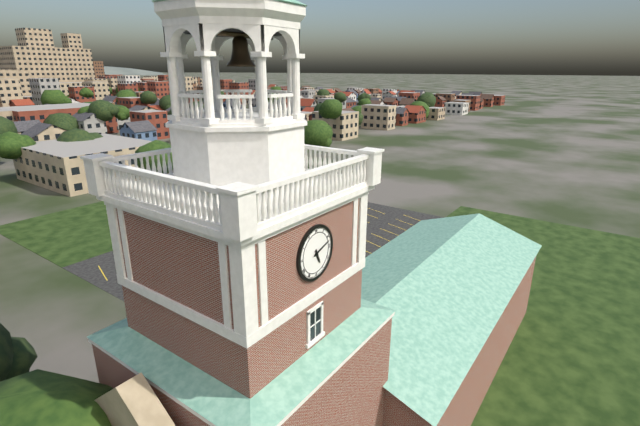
**5:12**
